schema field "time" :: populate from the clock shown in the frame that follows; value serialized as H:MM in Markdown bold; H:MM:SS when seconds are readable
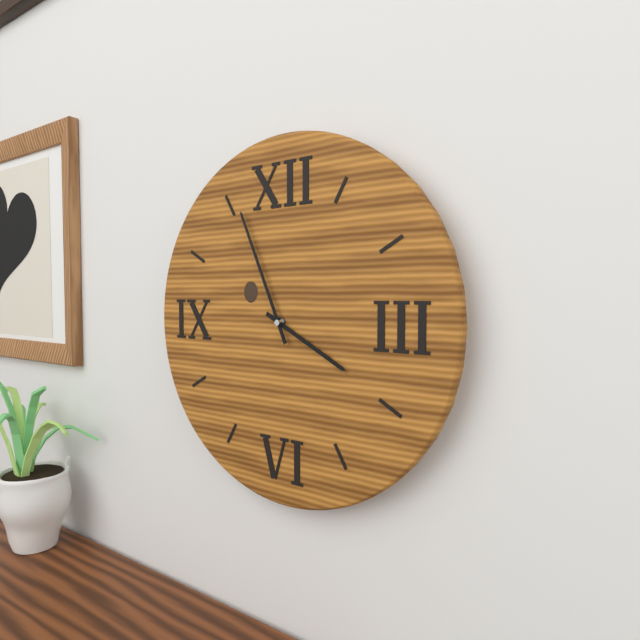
**3:56**
